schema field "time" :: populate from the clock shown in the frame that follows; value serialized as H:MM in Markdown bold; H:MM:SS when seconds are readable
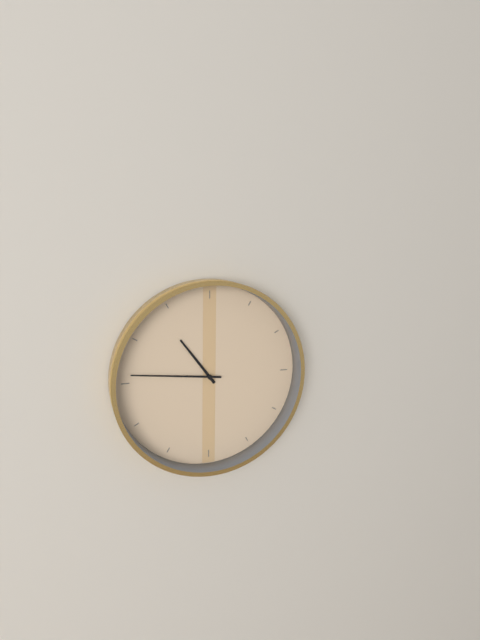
**10:46**
